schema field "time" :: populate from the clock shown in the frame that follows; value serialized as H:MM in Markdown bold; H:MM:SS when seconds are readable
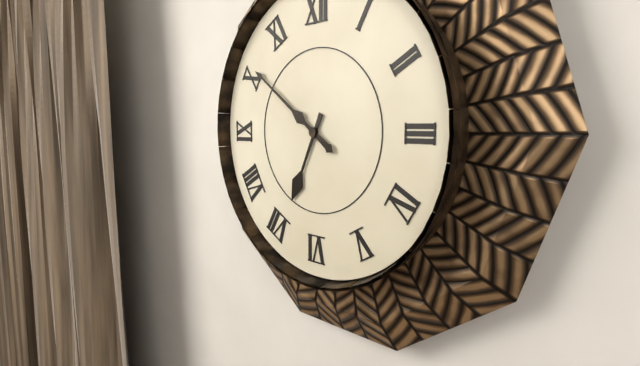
**6:51**
